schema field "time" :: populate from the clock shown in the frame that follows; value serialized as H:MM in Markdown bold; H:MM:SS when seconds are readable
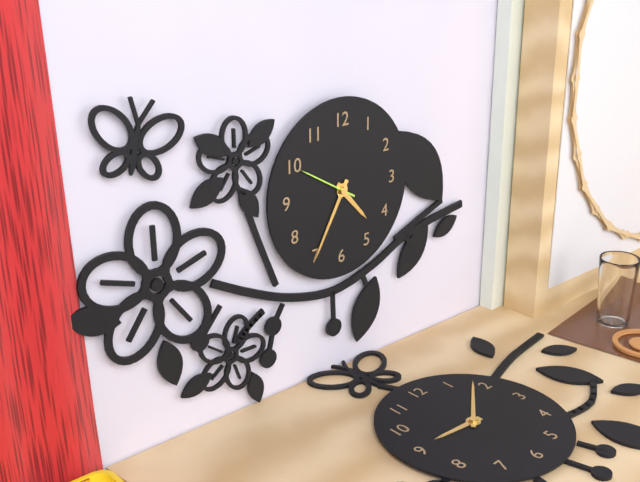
**4:35:50**
